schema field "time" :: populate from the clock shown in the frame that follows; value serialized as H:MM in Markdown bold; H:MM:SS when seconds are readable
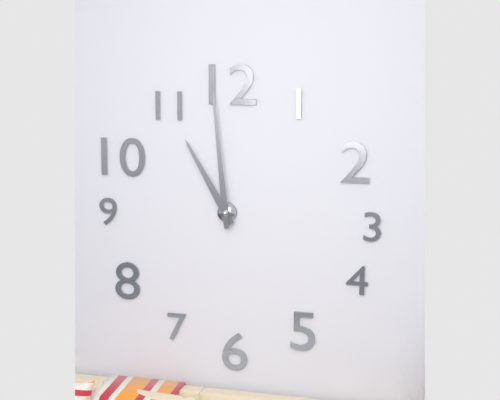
**10:59**
